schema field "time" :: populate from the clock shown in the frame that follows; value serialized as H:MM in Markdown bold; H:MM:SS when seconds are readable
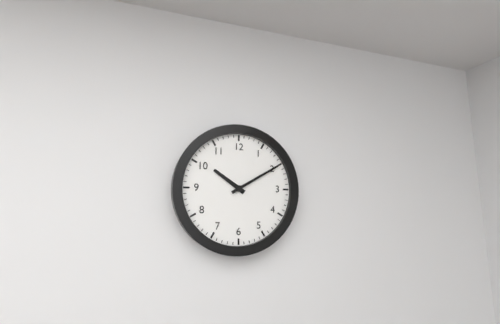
**10:10**
